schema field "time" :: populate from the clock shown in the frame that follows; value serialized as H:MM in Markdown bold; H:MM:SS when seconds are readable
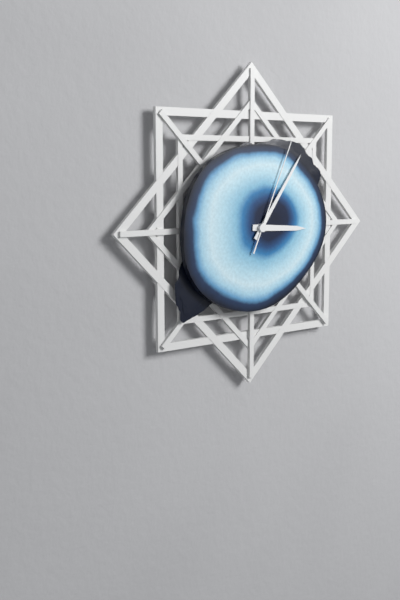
**3:06:04**
